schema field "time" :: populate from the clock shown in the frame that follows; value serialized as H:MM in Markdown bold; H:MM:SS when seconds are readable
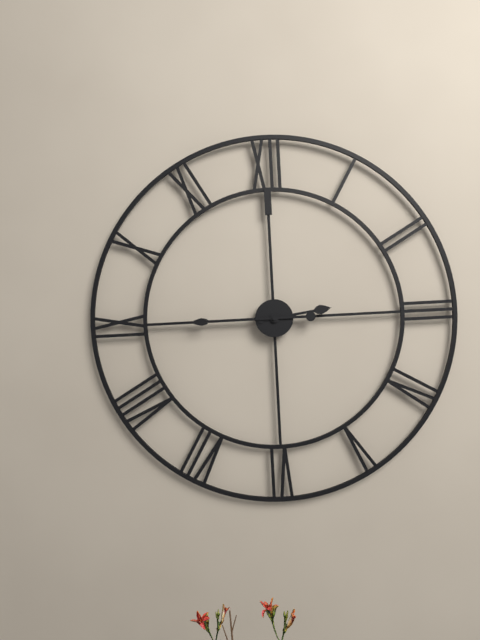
**2:45**
